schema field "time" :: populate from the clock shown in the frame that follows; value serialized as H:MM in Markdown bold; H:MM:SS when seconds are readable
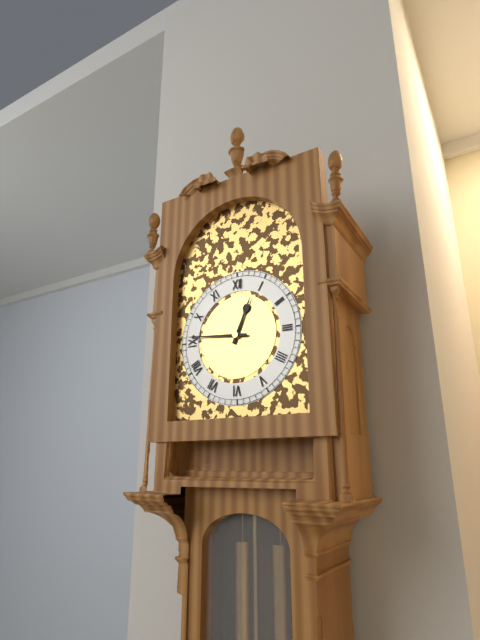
**12:46**
